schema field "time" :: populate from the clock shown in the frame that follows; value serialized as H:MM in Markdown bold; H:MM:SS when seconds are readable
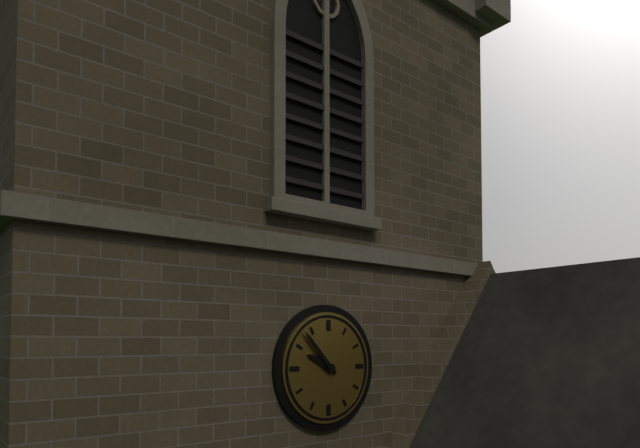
**9:53**
